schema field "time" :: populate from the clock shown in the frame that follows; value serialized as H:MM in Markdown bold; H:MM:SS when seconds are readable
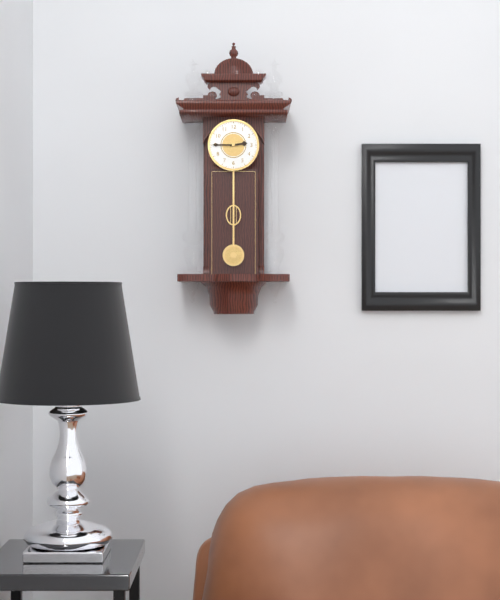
**2:45**
